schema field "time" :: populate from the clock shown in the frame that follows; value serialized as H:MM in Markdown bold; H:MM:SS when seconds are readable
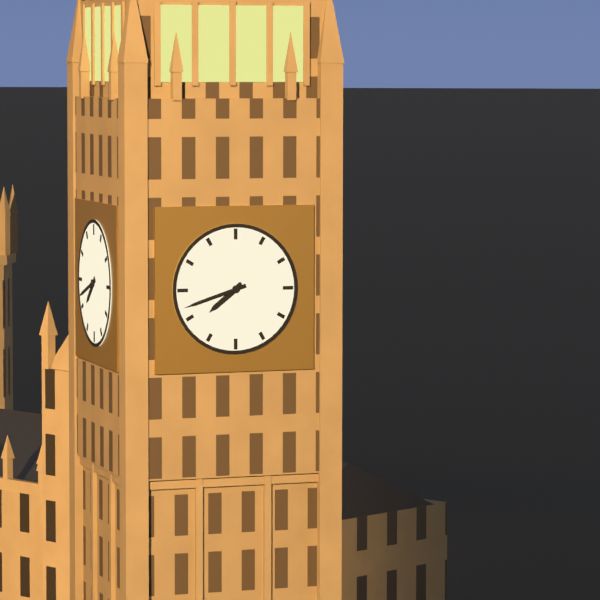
**7:42**
